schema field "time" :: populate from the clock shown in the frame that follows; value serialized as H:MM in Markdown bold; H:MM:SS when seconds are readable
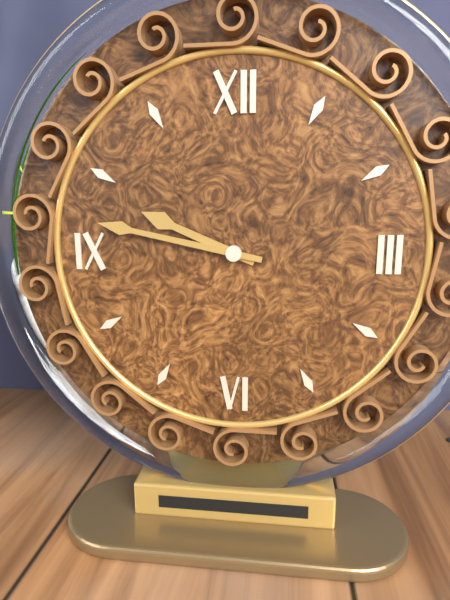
**9:47**
